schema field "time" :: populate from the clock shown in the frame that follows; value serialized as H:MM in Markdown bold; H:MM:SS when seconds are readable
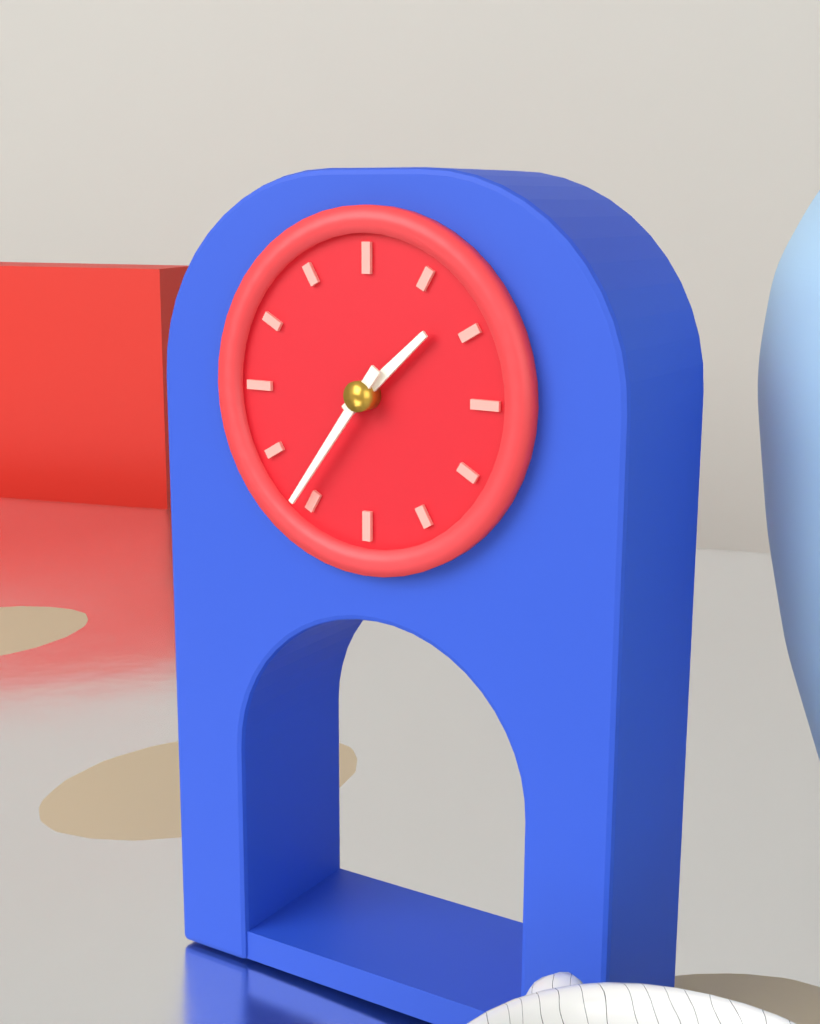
**1:36**
